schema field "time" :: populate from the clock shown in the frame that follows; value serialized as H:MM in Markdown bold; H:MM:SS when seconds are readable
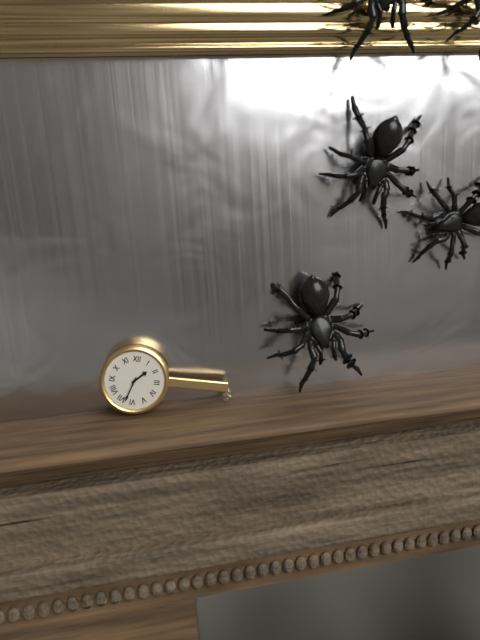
**1:33**
